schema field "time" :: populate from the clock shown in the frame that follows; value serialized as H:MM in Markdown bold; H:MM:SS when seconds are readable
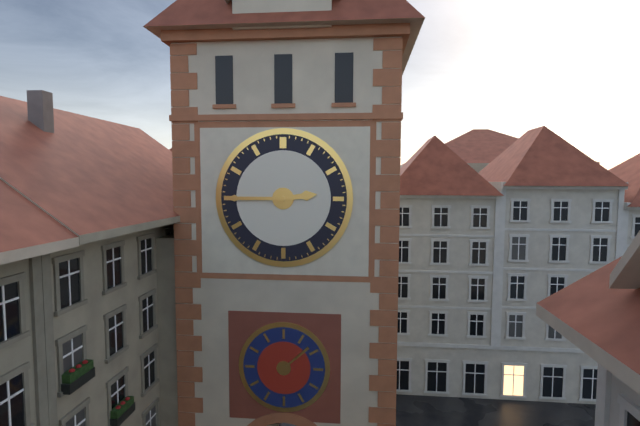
**2:45**
